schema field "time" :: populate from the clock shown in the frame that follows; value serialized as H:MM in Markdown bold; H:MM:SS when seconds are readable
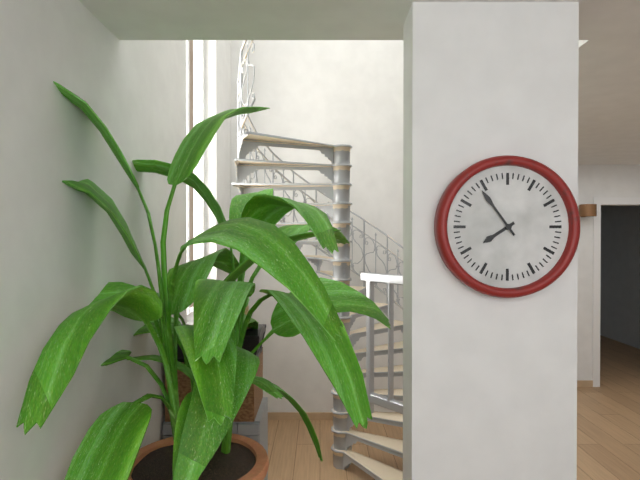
**7:54**
